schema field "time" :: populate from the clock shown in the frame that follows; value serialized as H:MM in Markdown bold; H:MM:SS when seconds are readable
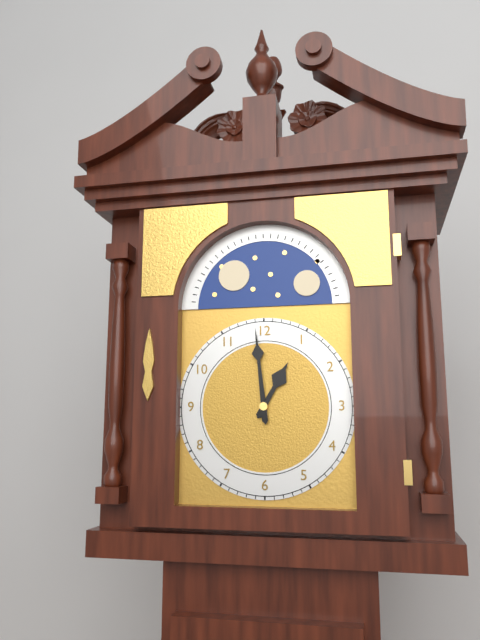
**12:59**
